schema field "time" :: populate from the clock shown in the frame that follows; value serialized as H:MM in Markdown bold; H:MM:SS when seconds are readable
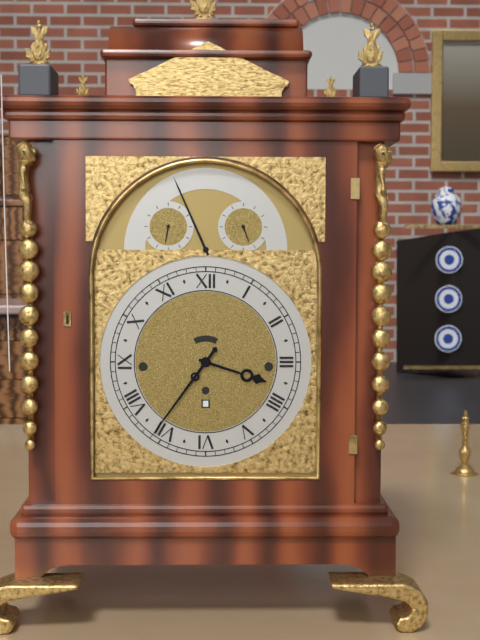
**3:36**
